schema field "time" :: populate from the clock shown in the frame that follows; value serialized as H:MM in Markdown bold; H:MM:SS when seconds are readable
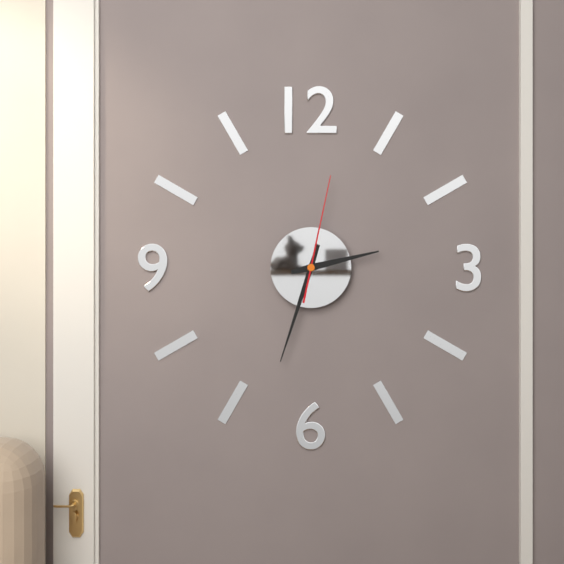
**2:33:02**
